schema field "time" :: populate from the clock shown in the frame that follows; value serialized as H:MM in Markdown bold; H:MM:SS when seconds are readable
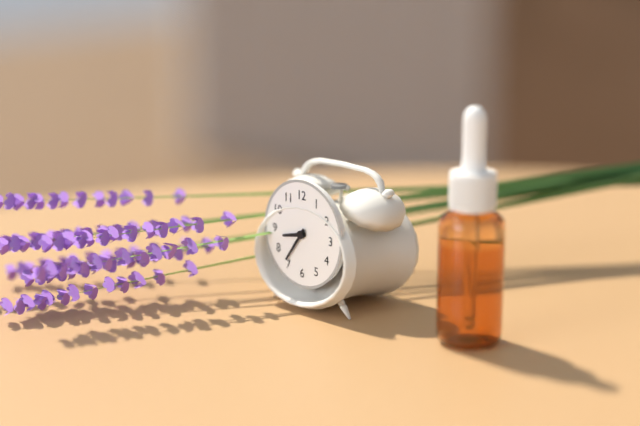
**8:36**
